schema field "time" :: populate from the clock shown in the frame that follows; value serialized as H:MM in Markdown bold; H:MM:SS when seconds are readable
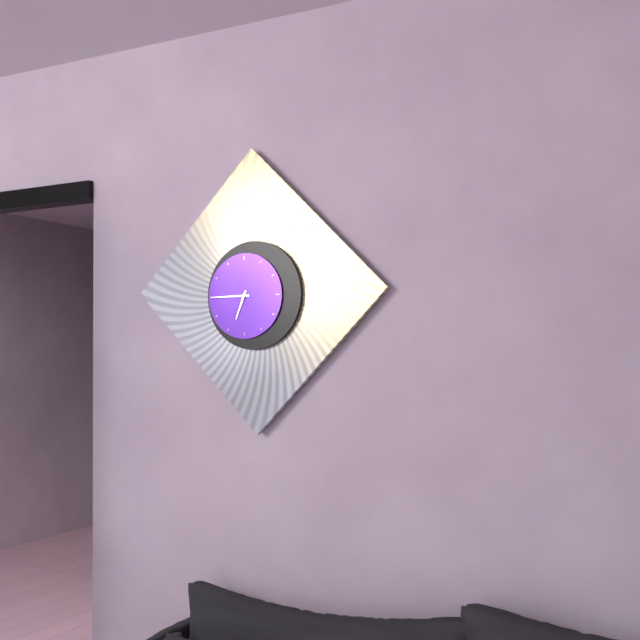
**6:45**
